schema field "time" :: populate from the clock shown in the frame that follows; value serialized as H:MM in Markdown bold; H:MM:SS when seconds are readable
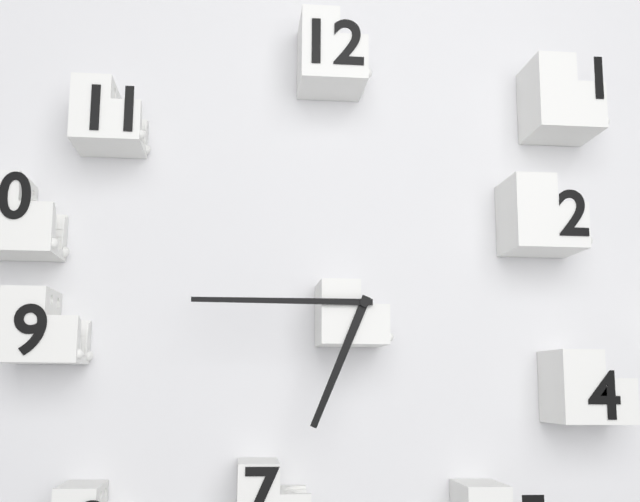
**6:45**
